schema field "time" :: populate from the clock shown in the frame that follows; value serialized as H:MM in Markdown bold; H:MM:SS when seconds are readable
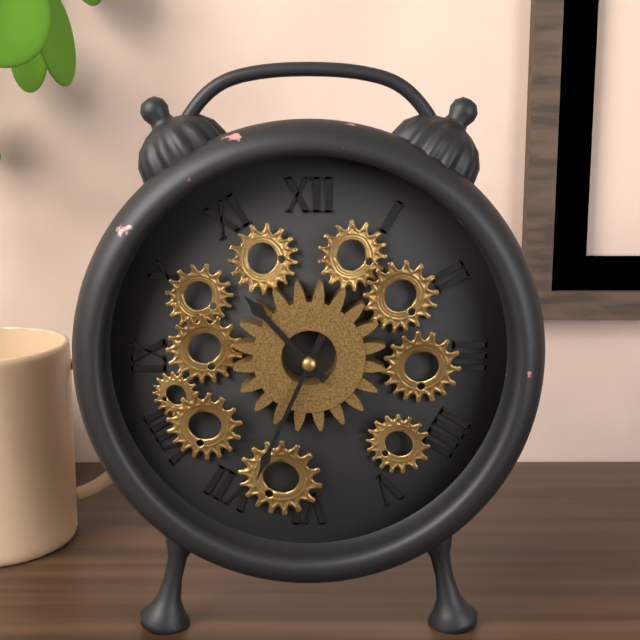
**10:34**
